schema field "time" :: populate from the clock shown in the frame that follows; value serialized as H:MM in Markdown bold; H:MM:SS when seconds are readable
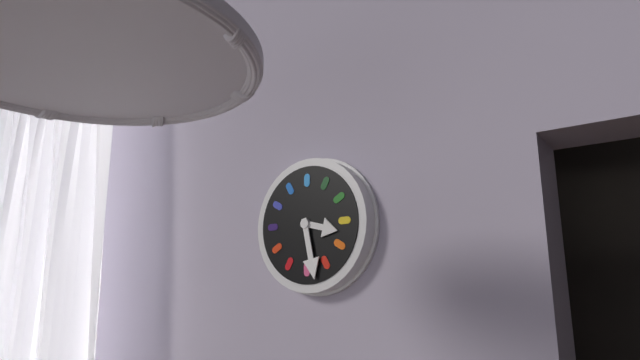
**3:28**
